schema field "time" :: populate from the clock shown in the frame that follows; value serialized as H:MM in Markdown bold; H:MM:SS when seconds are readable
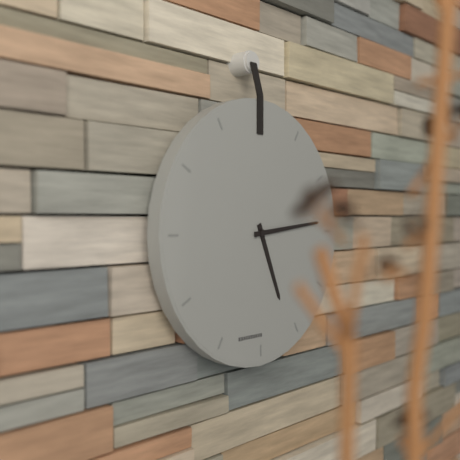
**5:14**
